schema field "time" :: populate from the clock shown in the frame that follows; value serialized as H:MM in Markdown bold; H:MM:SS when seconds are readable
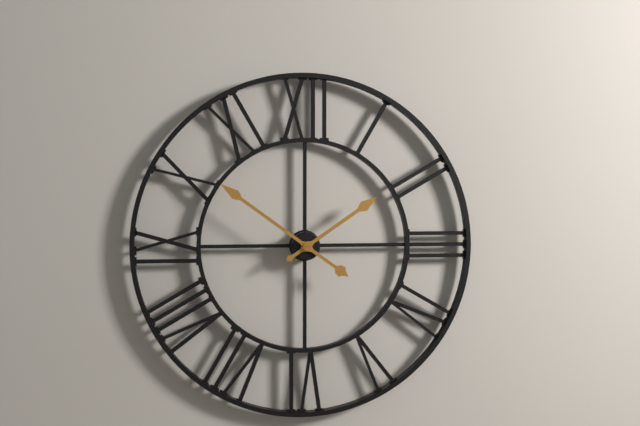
**1:51**
